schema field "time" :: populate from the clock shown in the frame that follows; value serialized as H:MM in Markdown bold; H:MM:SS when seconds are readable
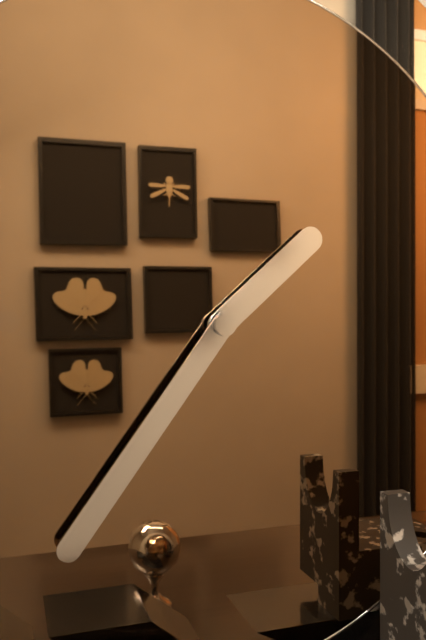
**1:36**
